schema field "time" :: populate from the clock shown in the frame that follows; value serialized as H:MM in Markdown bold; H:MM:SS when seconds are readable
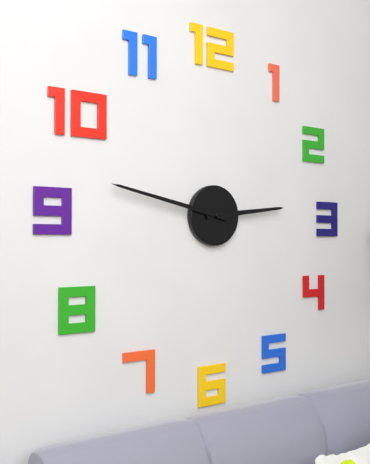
**2:47**
